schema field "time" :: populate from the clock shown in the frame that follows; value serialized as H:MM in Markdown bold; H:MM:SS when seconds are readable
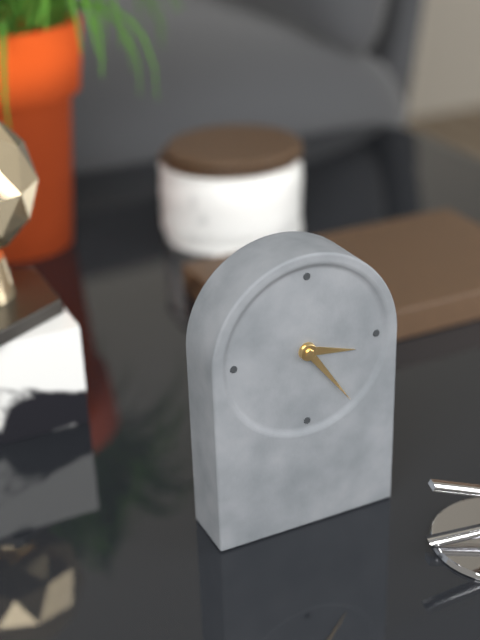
**3:24**
